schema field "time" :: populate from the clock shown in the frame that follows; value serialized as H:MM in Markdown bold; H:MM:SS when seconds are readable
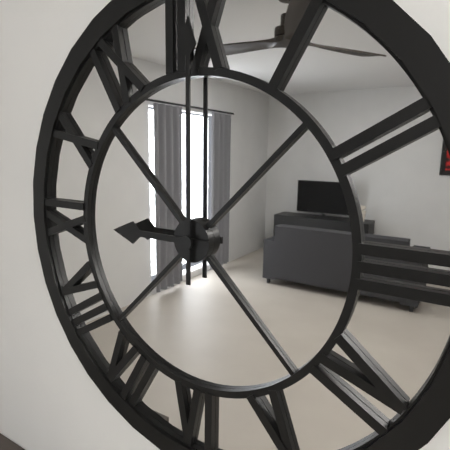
**9:00**
